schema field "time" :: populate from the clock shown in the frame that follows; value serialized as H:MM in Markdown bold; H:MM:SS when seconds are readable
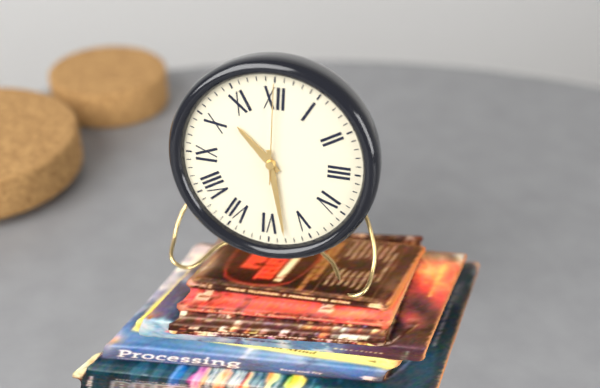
**10:28:00**
